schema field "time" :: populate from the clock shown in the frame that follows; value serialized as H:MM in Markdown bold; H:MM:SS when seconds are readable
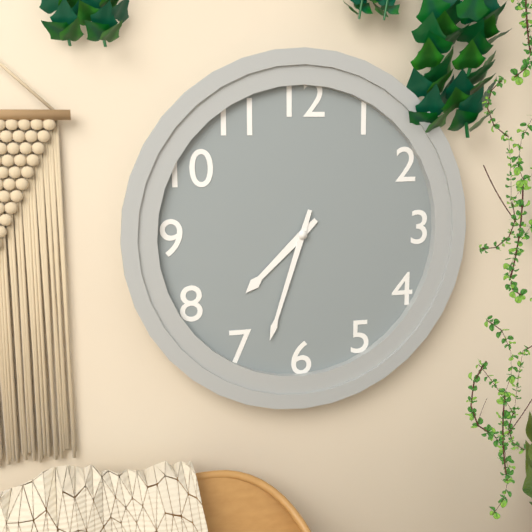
**7:33**
